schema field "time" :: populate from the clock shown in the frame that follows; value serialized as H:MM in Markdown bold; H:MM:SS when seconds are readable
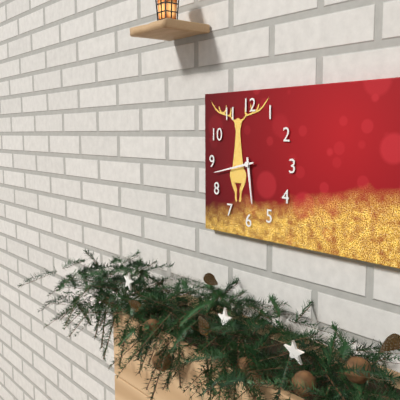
**5:43**
